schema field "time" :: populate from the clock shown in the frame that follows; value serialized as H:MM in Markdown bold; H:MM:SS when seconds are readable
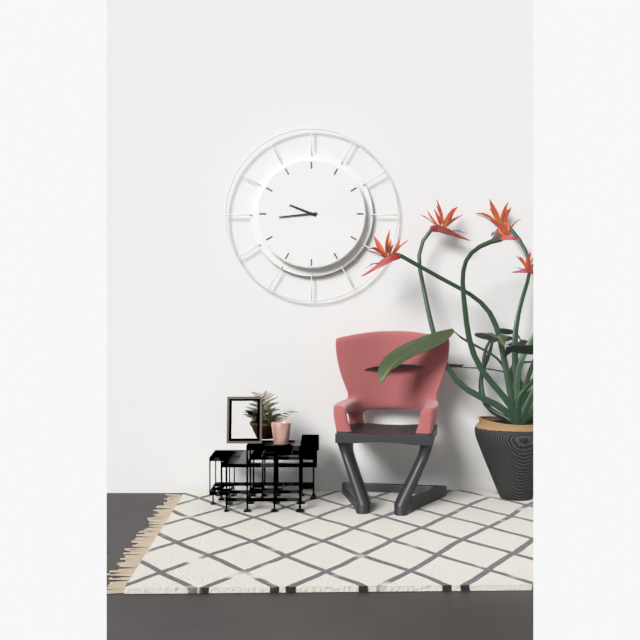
**9:44**
